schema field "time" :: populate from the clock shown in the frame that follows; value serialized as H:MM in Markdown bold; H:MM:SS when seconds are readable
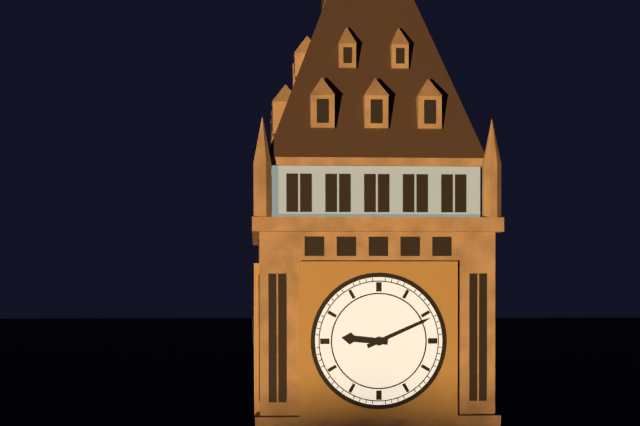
**9:11**
